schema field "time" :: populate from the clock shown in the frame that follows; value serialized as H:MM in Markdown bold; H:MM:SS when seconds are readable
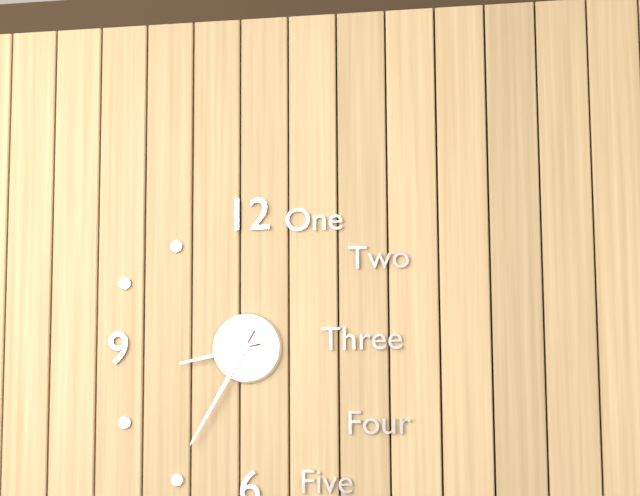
**8:35**
